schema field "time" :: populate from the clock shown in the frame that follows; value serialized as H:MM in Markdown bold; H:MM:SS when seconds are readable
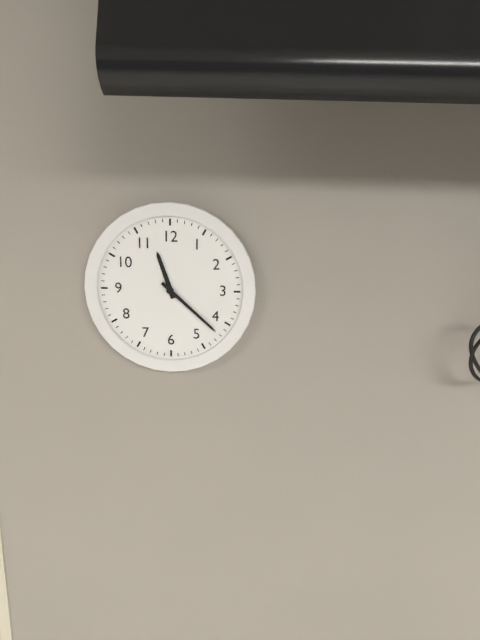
**11:22**
